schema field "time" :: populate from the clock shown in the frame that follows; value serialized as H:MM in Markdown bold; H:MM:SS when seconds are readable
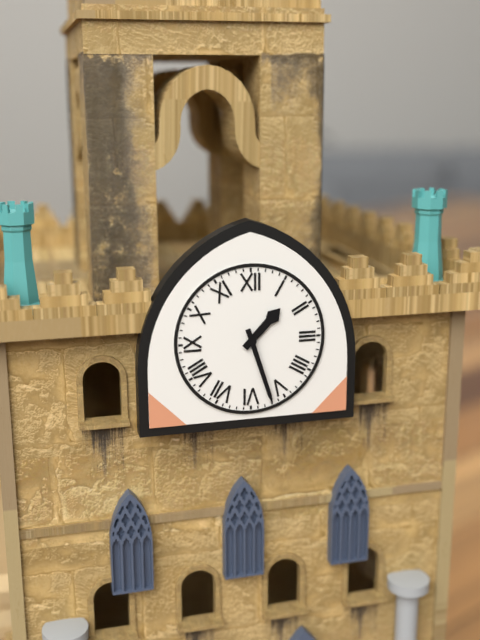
**1:27**
